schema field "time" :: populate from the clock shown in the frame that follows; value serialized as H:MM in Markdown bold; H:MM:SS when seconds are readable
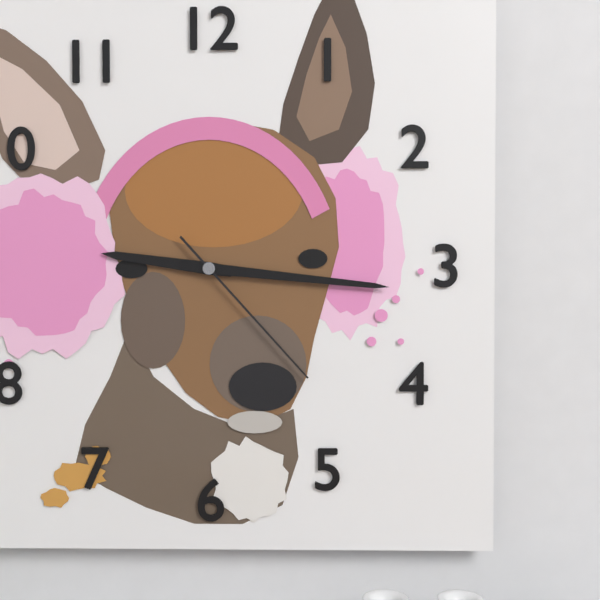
**9:16:23**
